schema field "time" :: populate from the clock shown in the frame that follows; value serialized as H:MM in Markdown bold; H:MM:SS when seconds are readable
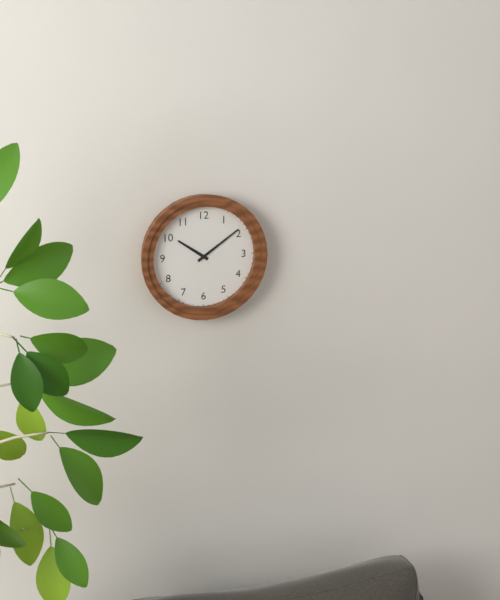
**10:09**
